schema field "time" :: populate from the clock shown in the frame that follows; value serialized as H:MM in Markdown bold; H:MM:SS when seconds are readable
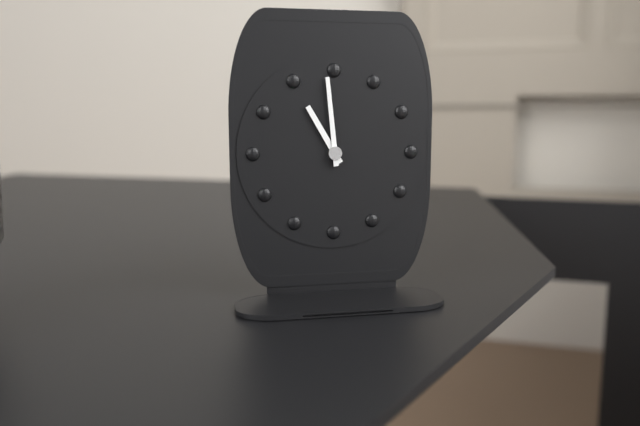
**10:59**
